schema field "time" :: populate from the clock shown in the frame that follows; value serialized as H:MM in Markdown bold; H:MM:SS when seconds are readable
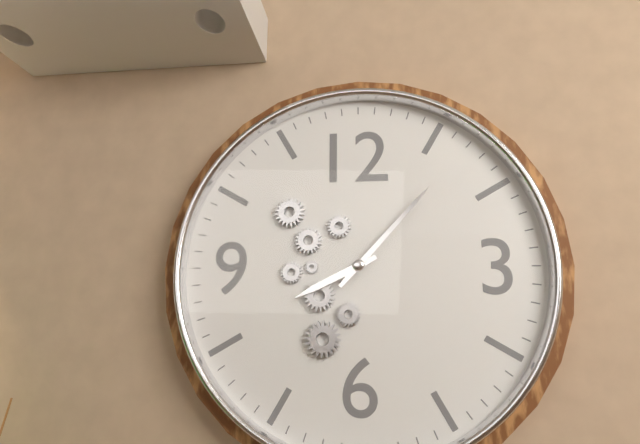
**8:07**
